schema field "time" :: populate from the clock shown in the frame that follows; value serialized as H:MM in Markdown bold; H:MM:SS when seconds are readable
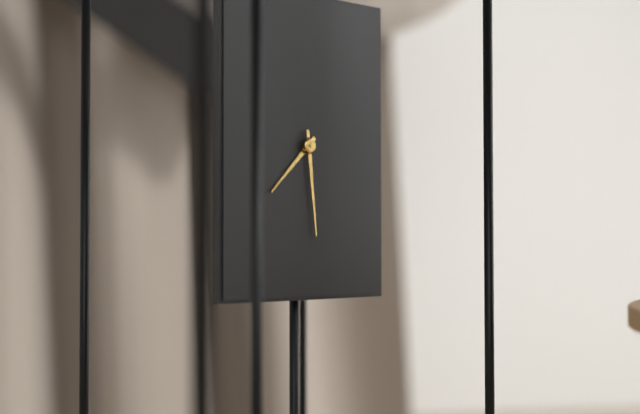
**7:29**
